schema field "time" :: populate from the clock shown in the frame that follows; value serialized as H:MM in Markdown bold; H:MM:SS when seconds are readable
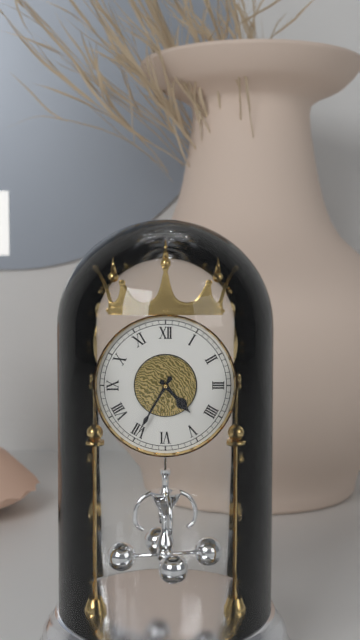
**4:35**
